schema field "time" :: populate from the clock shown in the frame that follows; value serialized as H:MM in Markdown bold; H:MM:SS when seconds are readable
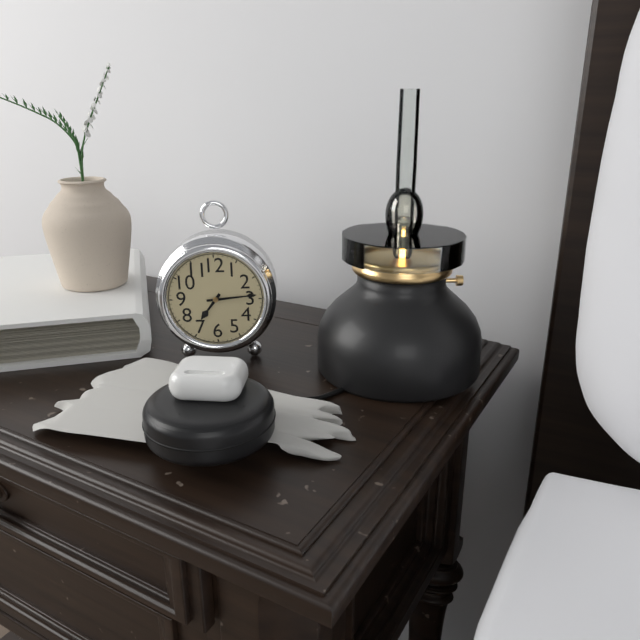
**7:14**
